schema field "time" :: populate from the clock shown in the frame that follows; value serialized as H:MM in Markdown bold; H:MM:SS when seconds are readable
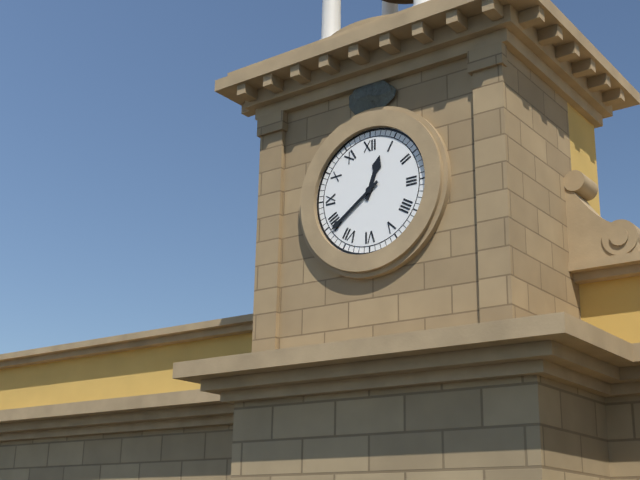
**12:39**
